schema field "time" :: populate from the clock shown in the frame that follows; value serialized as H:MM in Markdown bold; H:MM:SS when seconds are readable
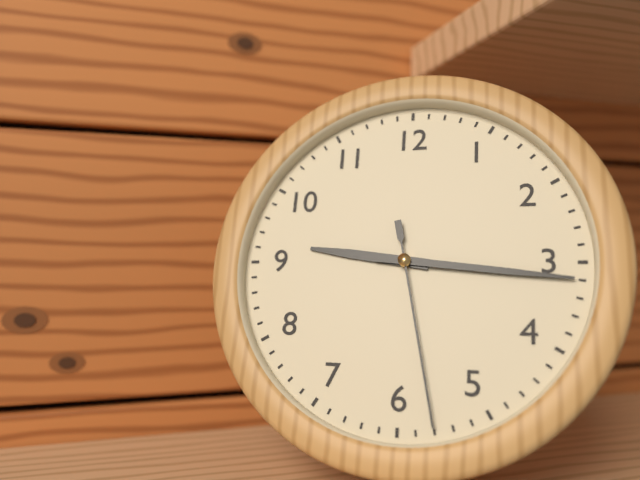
**9:16:28**
